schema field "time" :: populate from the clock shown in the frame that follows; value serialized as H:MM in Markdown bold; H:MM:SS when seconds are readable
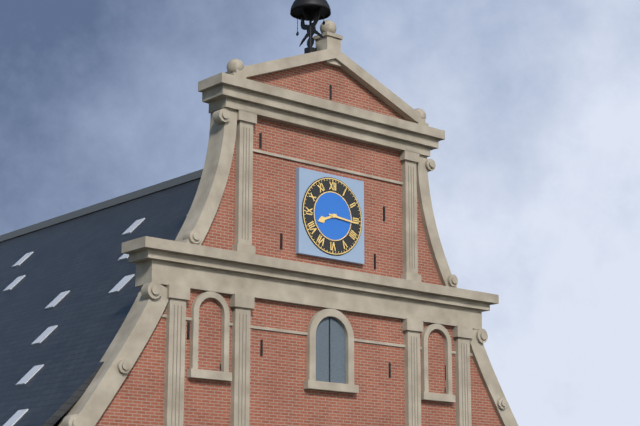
**8:16**
